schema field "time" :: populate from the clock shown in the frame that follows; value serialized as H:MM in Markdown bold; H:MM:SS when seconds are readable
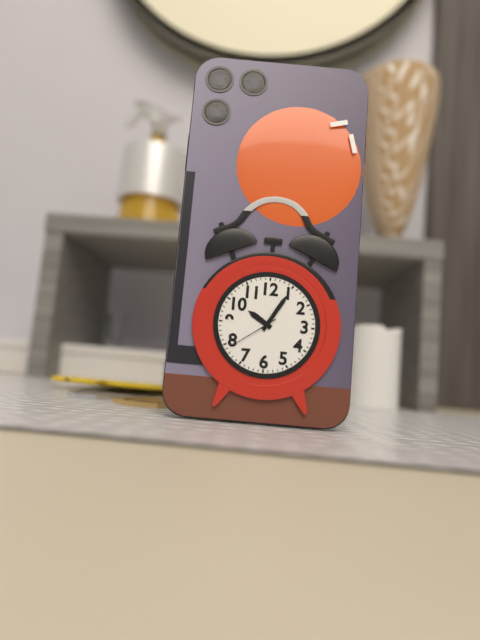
**10:05:39**
